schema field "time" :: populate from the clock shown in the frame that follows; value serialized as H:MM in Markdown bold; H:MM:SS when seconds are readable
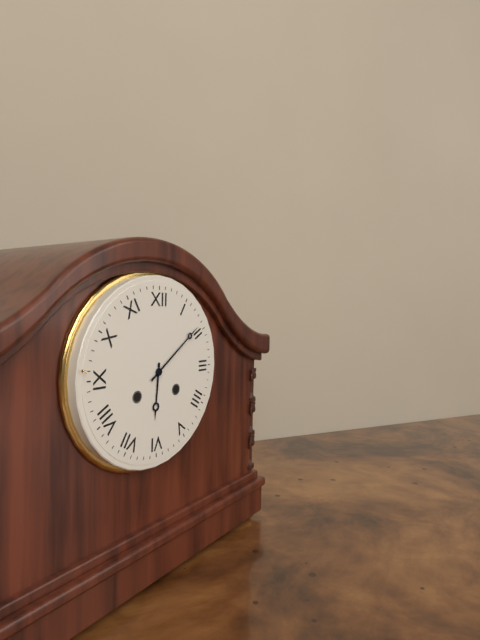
**6:09**
